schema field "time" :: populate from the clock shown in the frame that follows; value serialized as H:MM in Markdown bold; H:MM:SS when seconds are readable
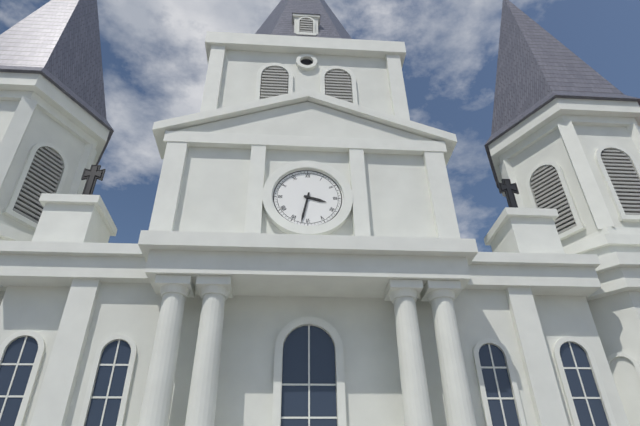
**3:32**
